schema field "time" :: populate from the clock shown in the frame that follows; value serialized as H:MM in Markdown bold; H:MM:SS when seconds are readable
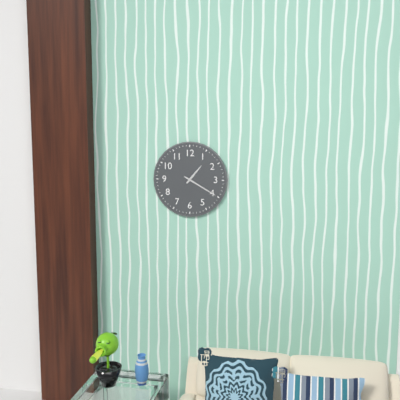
**1:20**
